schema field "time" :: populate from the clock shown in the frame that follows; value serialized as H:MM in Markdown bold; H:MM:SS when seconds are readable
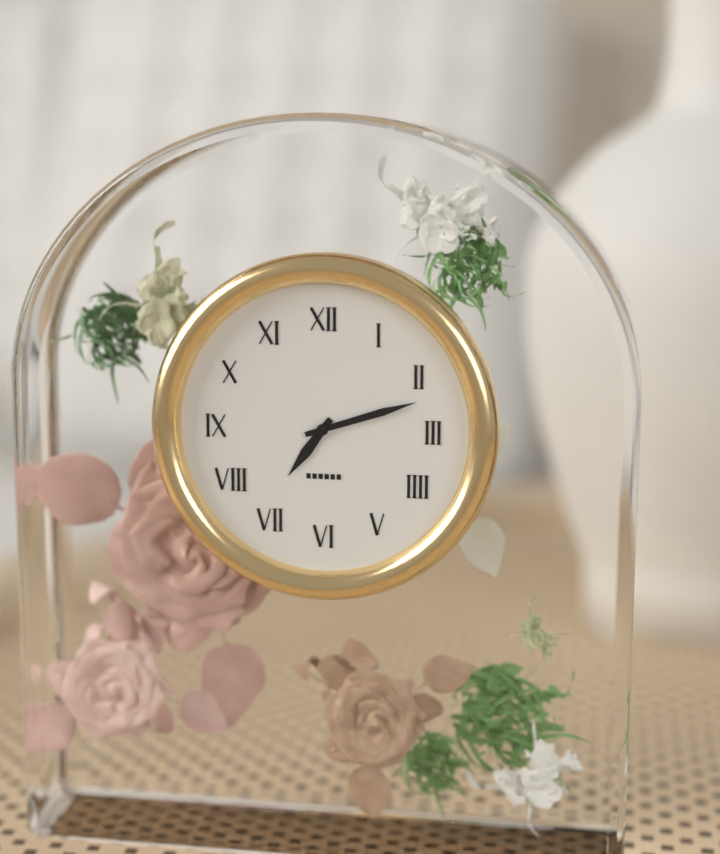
**7:12**
